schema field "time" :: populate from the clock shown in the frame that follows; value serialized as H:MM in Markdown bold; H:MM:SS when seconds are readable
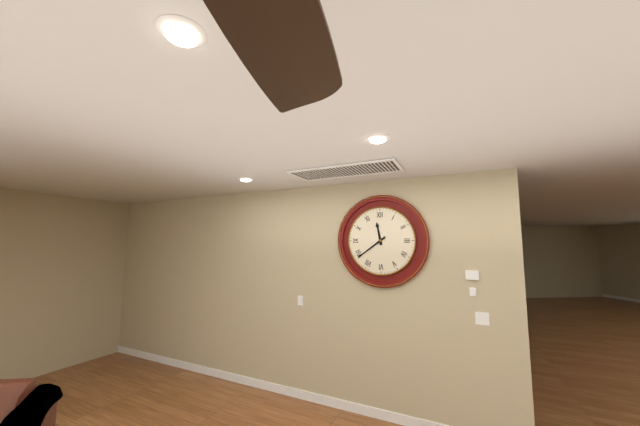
**11:39**
